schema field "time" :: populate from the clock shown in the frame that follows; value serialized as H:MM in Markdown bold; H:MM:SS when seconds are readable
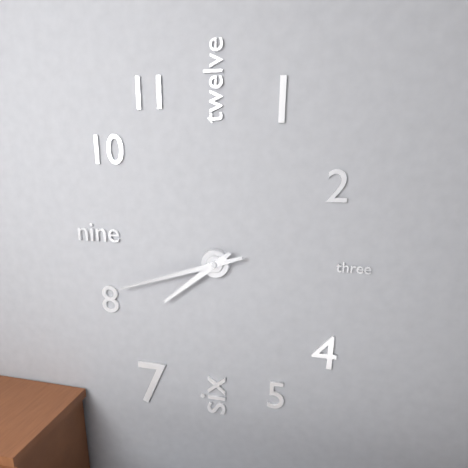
**7:42**
